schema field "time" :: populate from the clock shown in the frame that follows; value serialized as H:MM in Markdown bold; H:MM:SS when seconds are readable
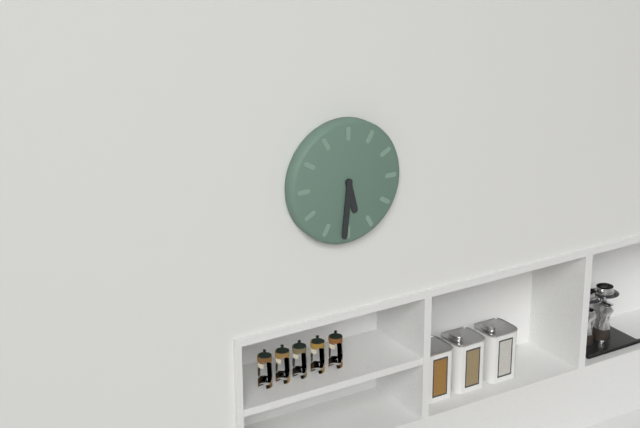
**5:31**
